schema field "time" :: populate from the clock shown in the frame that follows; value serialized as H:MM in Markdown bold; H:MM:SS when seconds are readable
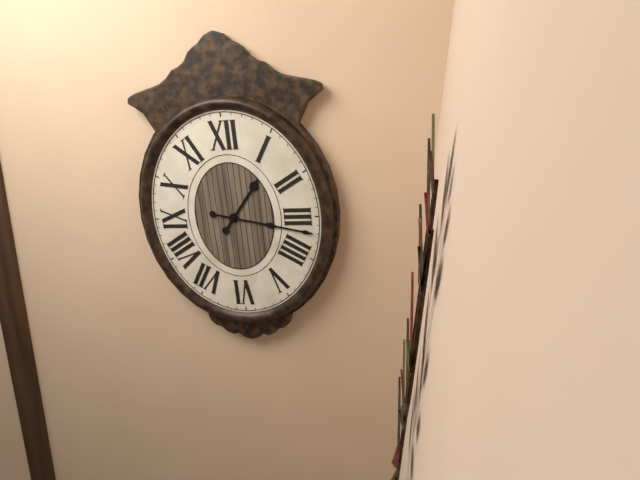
**1:17**
